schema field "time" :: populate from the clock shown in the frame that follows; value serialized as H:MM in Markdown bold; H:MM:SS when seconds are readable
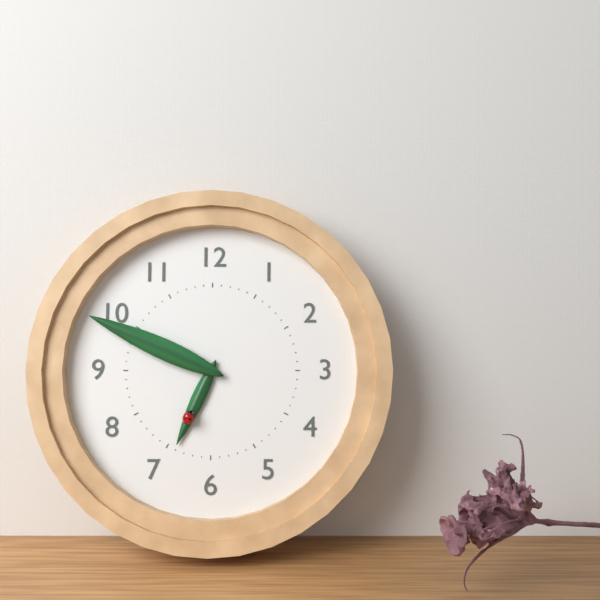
**6:49**
